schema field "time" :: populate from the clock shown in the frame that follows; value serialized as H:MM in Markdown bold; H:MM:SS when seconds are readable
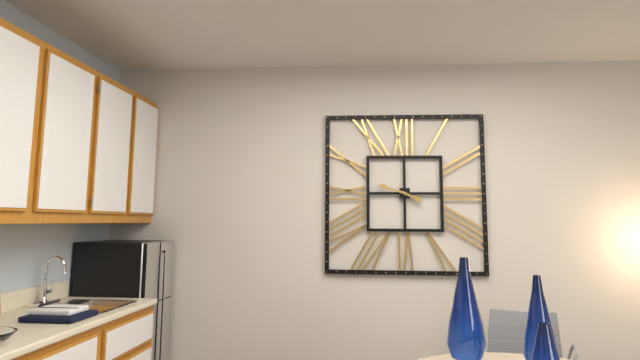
**3:48**
